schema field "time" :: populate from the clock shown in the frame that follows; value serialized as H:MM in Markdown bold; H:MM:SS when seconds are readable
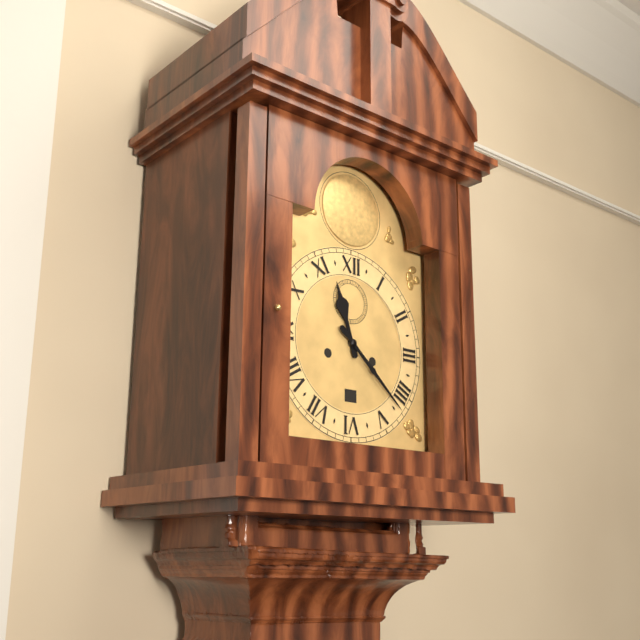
**11:22**
